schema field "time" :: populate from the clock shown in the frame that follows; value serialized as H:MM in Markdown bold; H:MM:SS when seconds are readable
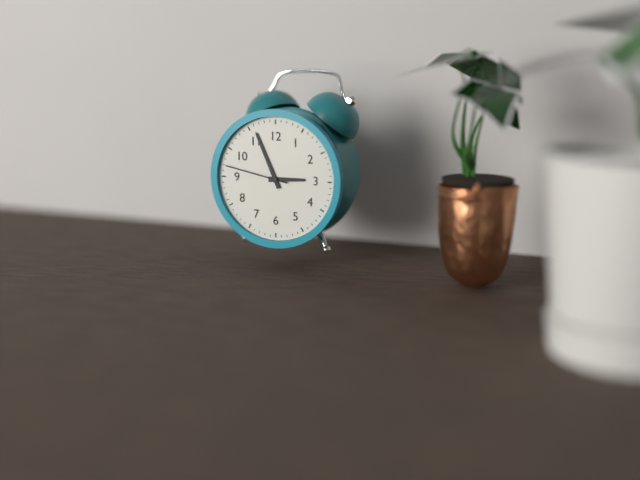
**2:56:47**
